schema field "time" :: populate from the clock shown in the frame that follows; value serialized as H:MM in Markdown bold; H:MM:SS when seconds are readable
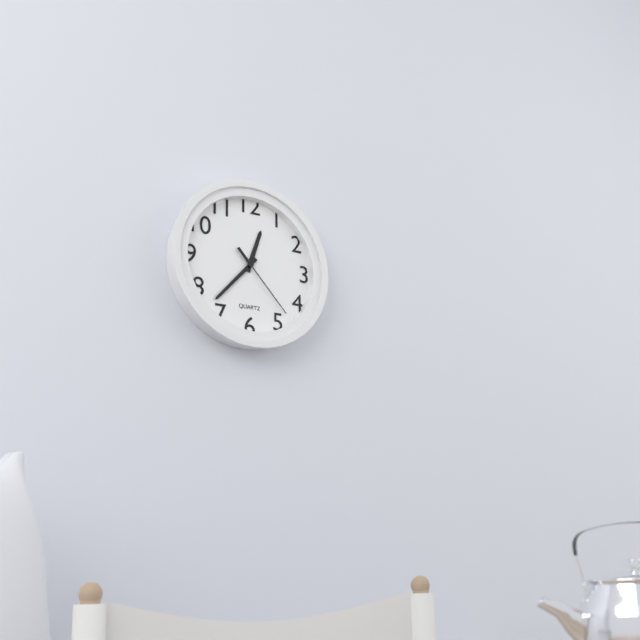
**12:37:23**
